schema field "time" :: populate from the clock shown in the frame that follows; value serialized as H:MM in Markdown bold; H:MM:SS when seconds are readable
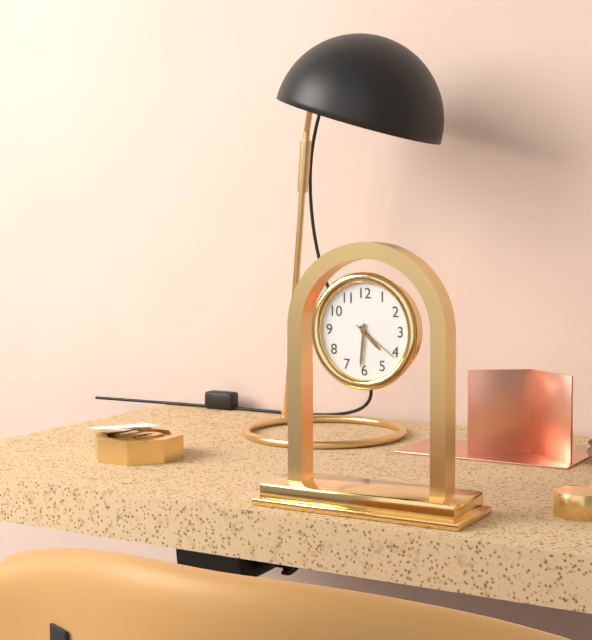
**4:31**
